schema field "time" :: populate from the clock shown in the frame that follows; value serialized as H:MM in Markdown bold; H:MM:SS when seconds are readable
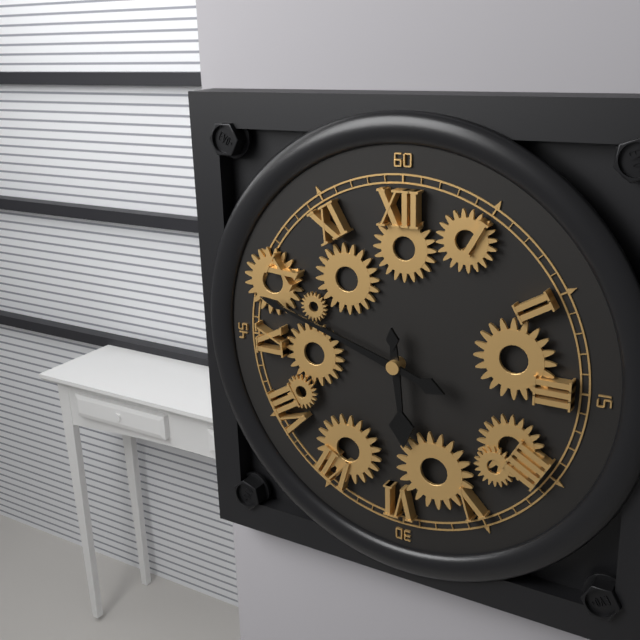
**5:48**
